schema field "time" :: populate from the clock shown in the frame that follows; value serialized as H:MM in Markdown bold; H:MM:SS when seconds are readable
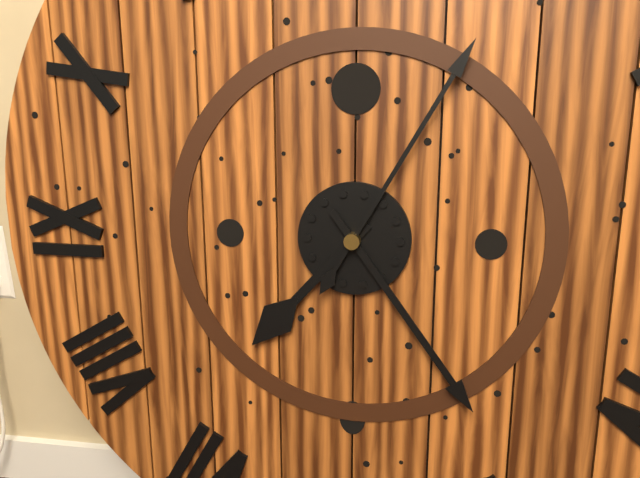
**7:24:05**
